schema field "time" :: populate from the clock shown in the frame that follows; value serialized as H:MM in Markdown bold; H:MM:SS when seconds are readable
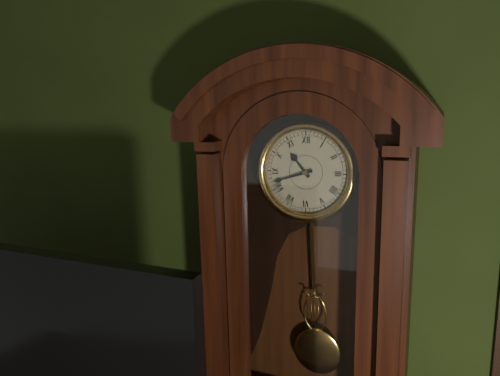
**10:42**
